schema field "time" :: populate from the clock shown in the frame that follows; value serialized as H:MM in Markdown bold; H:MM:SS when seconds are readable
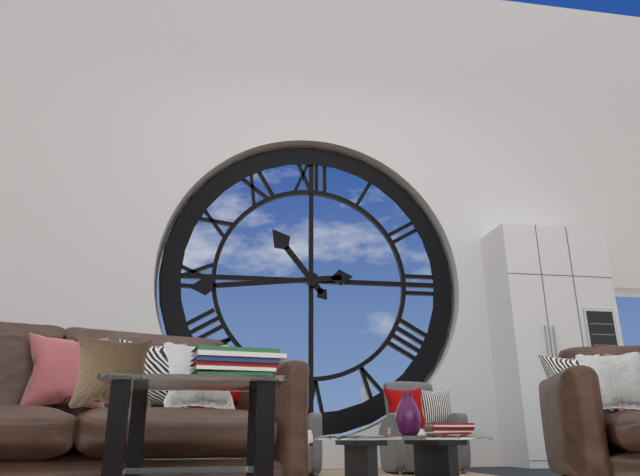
**10:44**
